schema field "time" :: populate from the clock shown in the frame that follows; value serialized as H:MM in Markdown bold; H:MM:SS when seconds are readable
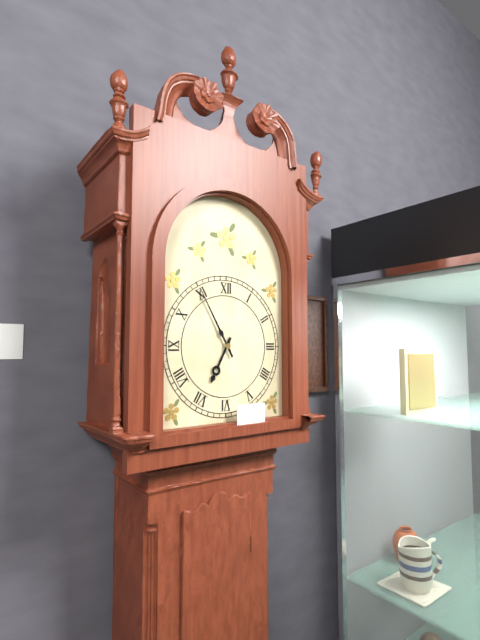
**6:55**
